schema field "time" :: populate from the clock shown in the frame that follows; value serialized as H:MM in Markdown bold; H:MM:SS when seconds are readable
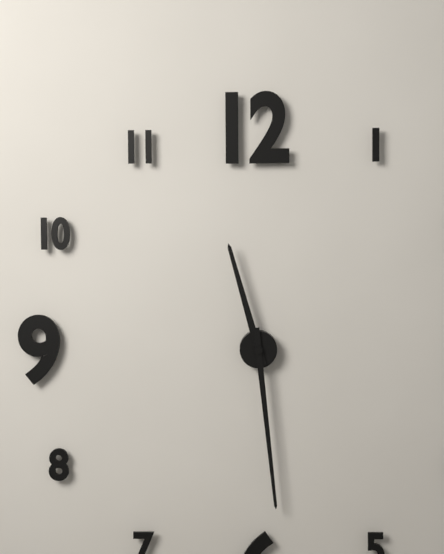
**11:29**
